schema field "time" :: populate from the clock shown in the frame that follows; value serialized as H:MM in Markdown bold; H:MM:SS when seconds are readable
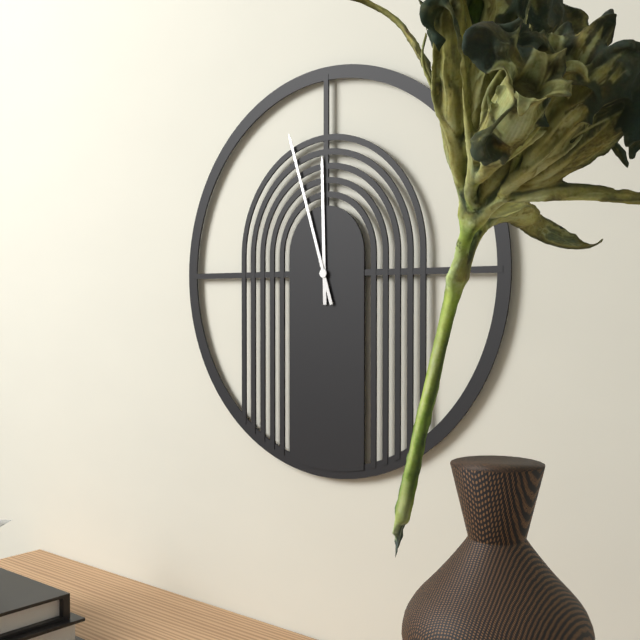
**11:57**
